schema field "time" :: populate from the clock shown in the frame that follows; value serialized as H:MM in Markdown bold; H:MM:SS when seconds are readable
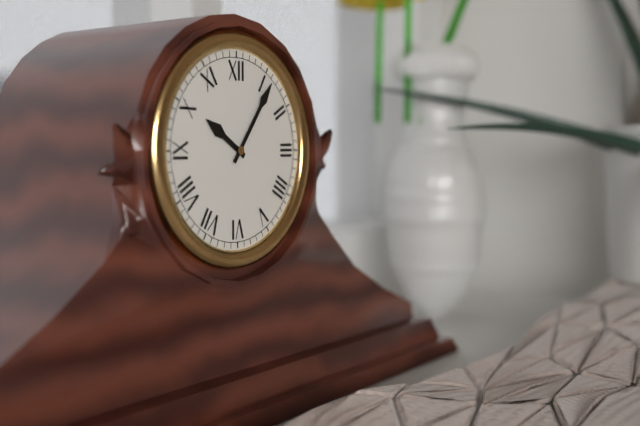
**10:06**
